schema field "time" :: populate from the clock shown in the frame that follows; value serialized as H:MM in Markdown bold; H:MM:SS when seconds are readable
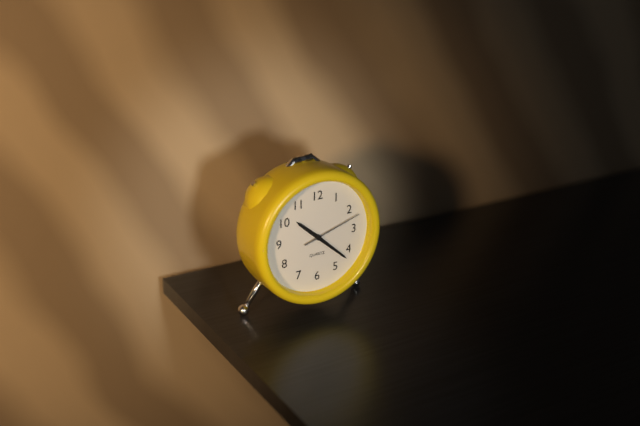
**10:22:12**
